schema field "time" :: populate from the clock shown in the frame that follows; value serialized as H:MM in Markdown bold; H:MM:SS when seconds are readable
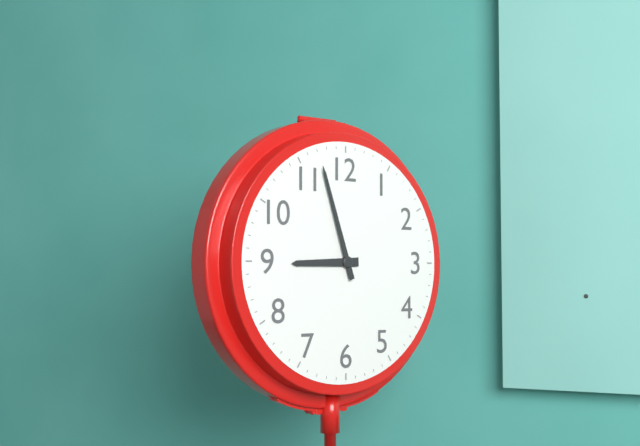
**8:57**
